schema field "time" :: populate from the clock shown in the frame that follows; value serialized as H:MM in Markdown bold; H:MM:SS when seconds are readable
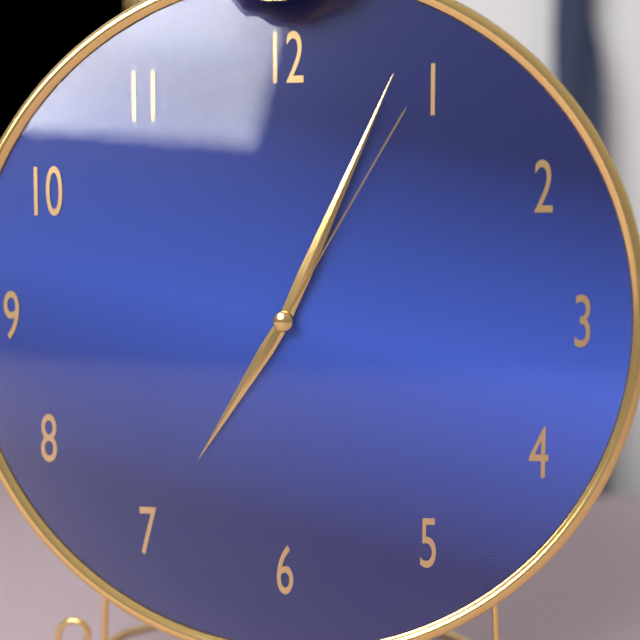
**7:04:05**
